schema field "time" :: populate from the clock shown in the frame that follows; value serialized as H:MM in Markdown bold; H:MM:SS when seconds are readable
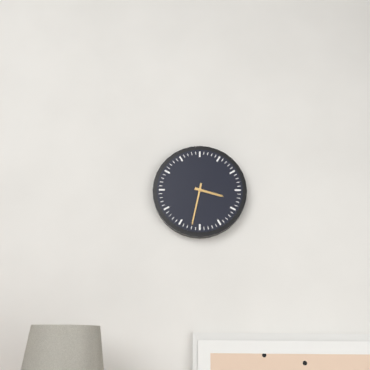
**3:32**
